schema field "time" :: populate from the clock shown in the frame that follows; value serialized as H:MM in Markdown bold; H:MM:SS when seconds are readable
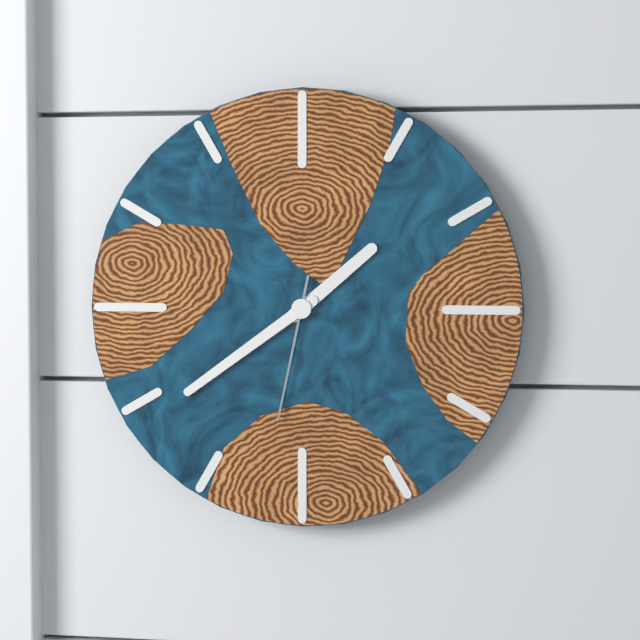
**1:39:32**
